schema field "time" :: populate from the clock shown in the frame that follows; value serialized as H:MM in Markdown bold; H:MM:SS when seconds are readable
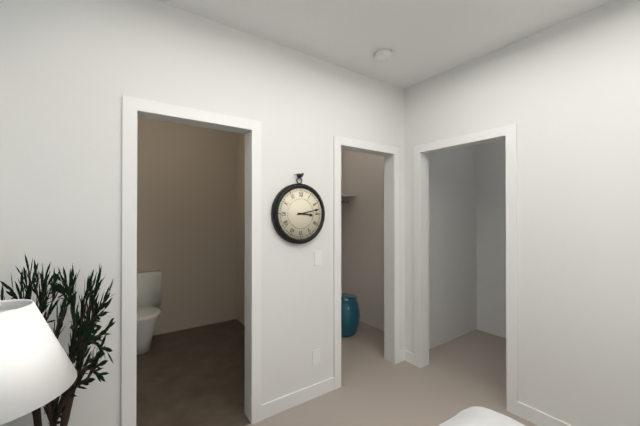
**3:13**
